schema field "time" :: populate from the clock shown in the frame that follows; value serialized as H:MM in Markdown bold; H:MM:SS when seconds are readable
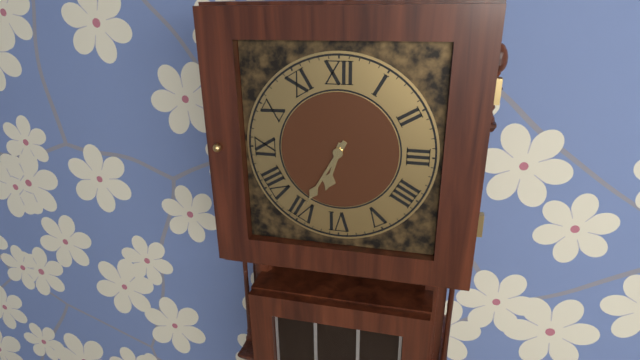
**6:35**
